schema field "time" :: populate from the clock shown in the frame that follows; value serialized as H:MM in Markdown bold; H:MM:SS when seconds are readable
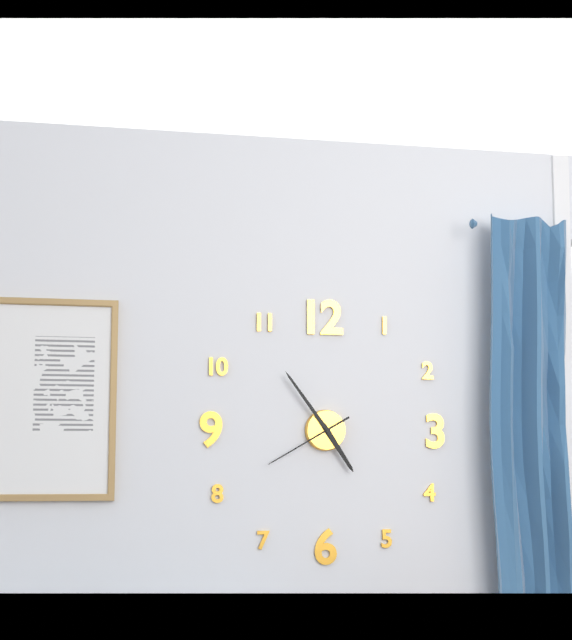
**4:54:40**
